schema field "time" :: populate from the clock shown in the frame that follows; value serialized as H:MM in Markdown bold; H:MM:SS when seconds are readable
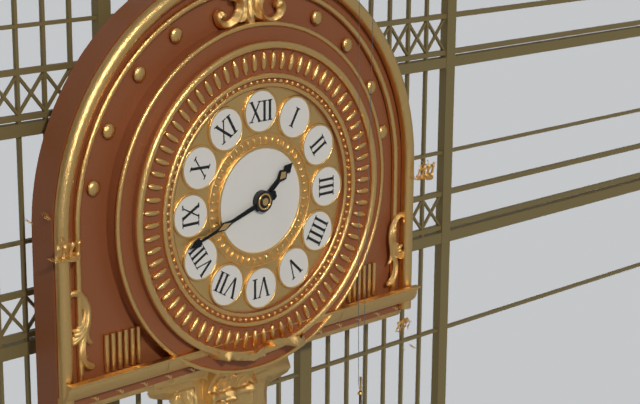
**1:42**
